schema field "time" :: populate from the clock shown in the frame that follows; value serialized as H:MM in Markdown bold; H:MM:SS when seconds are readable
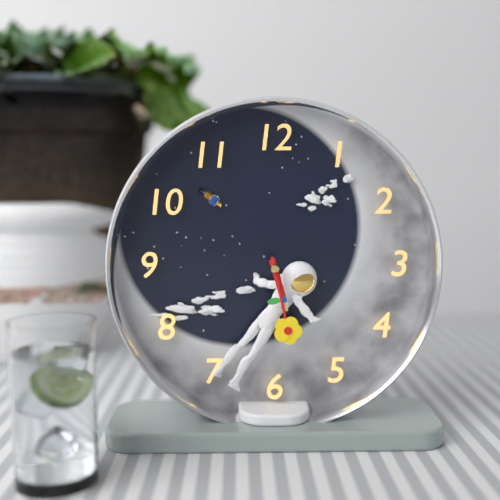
**5:28**
